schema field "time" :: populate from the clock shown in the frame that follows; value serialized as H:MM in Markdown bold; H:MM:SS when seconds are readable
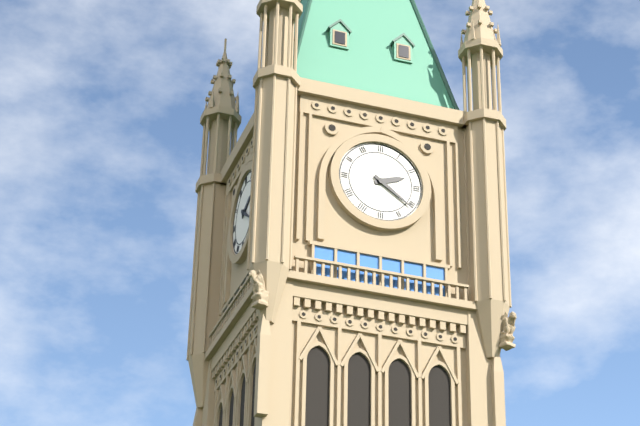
**2:21**
